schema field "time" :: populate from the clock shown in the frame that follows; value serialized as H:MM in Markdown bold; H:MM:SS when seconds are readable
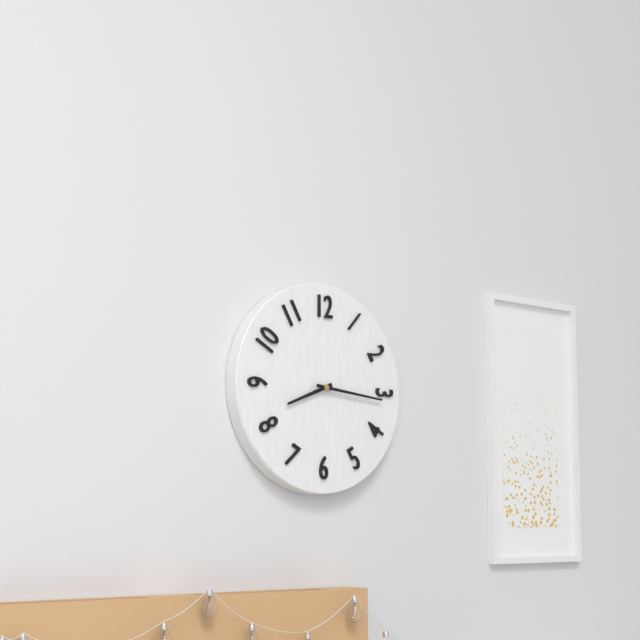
**8:16**
